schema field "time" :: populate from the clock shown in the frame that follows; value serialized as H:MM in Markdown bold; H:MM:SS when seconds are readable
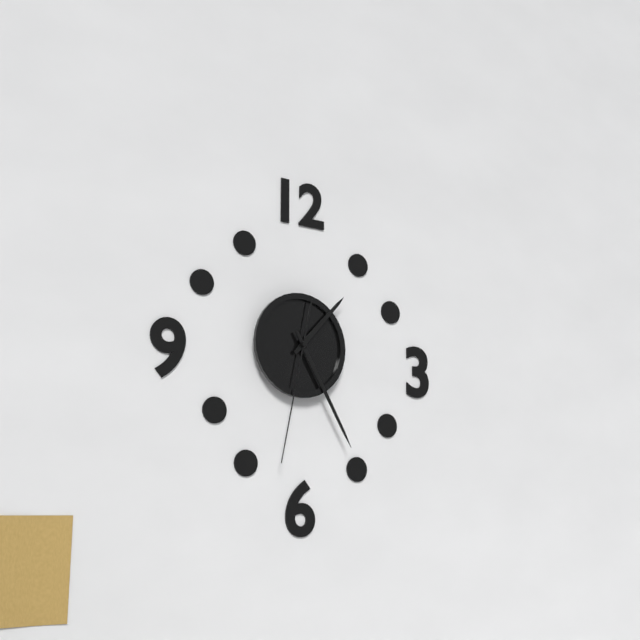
**1:25:32**
